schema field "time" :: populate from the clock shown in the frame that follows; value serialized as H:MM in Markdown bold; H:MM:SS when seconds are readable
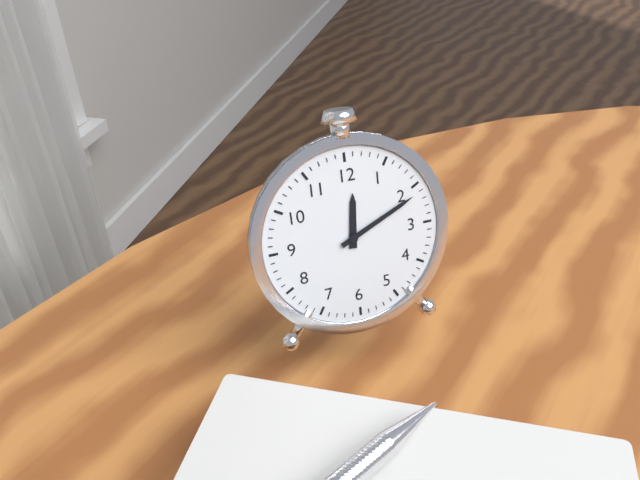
**12:11**
